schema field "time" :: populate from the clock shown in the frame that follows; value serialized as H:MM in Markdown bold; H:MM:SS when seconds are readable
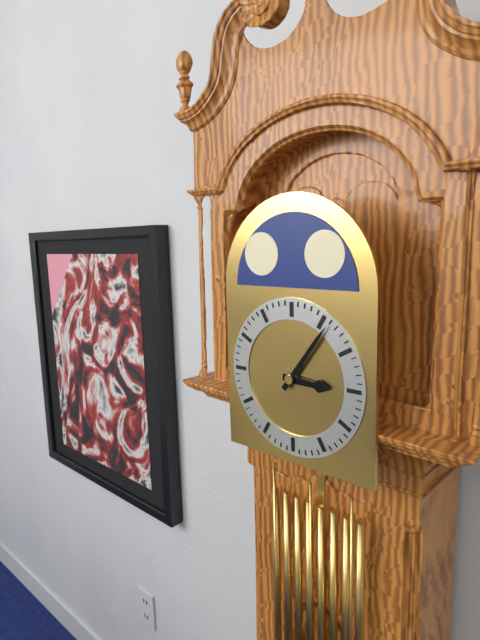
**3:06**
